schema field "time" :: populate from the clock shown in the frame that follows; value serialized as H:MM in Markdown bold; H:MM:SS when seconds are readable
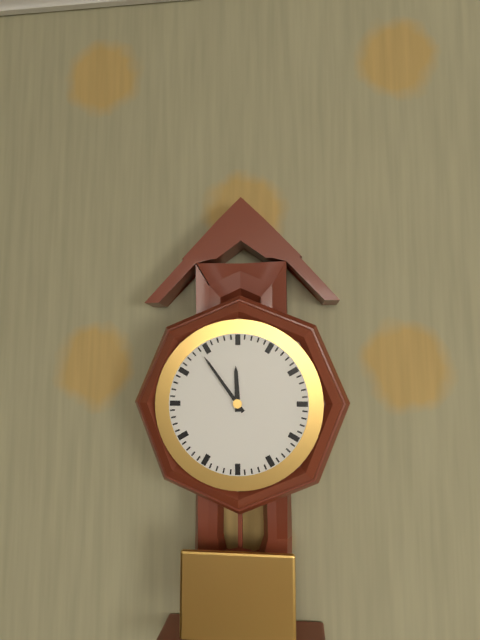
**11:54**
